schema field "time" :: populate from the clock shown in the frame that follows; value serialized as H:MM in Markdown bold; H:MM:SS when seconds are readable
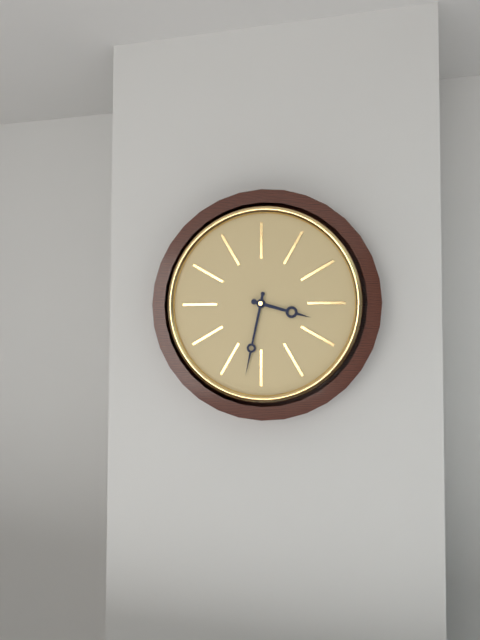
**3:32**
